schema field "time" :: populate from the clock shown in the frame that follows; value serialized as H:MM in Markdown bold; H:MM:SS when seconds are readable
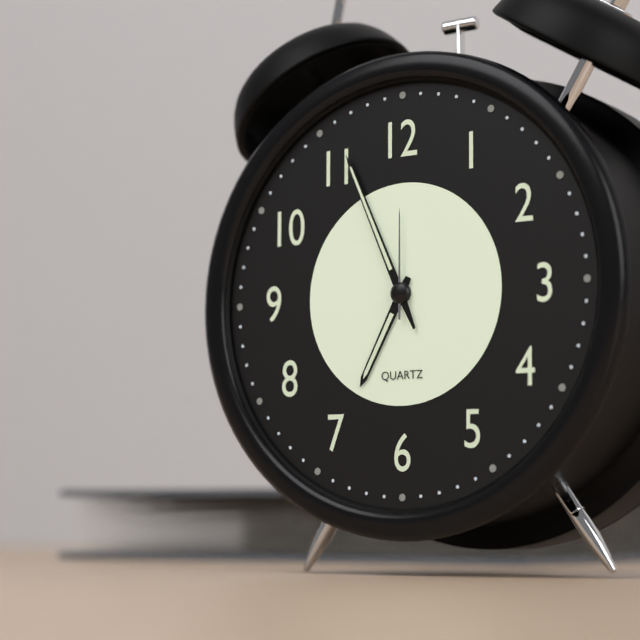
**6:56:00**
